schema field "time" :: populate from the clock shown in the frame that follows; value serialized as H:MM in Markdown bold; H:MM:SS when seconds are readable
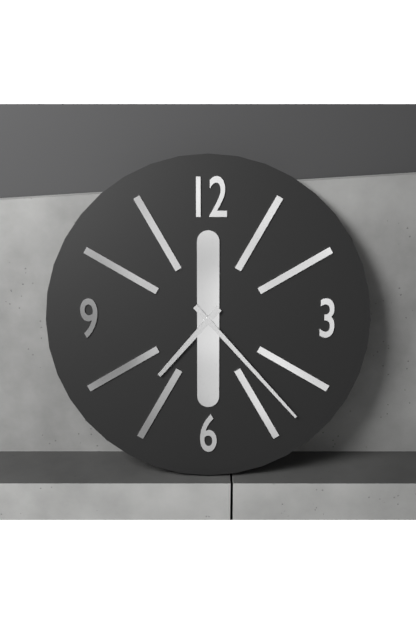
**7:23**
